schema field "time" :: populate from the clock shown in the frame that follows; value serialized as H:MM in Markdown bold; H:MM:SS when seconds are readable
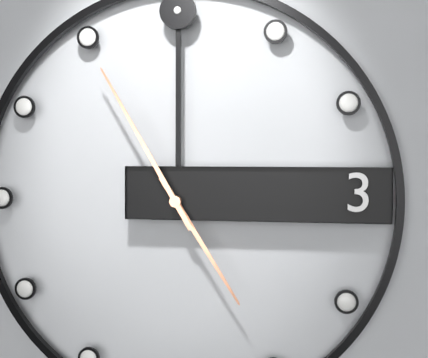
**4:55**
